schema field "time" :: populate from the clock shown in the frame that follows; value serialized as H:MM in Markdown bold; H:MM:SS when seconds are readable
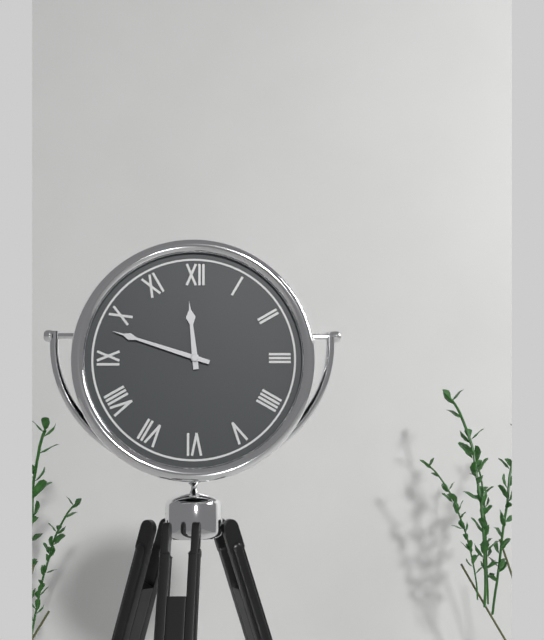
**11:48**
